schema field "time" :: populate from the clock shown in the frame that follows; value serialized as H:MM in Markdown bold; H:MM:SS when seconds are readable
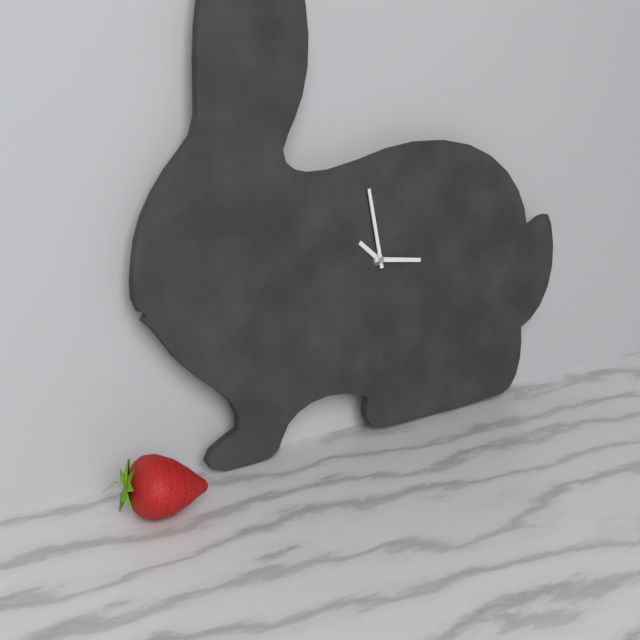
**10:16:58**
